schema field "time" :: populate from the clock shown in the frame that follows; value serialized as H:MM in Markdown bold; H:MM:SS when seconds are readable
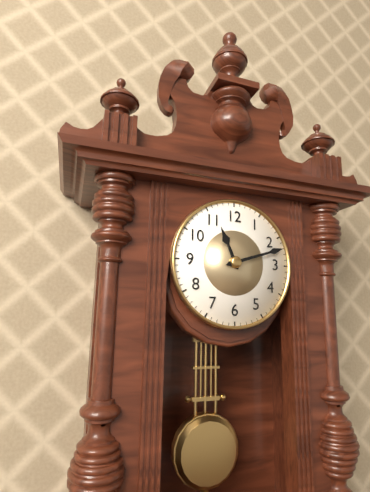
**11:12**
